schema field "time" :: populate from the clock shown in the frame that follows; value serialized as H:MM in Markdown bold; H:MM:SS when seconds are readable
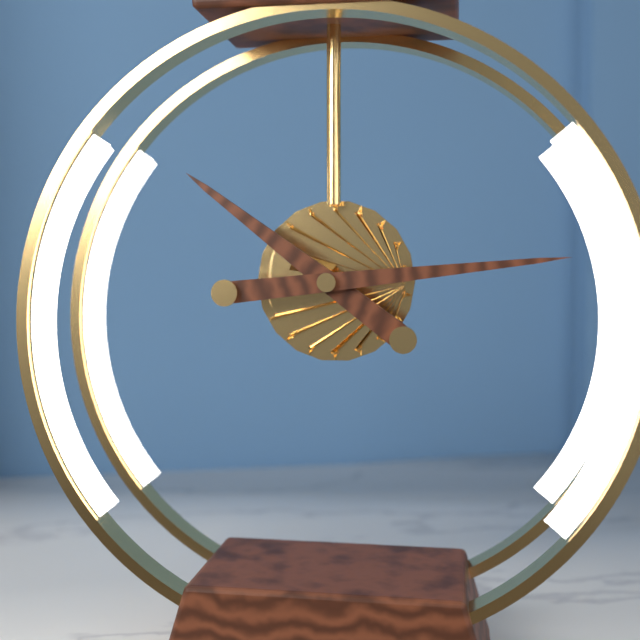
**10:14**
